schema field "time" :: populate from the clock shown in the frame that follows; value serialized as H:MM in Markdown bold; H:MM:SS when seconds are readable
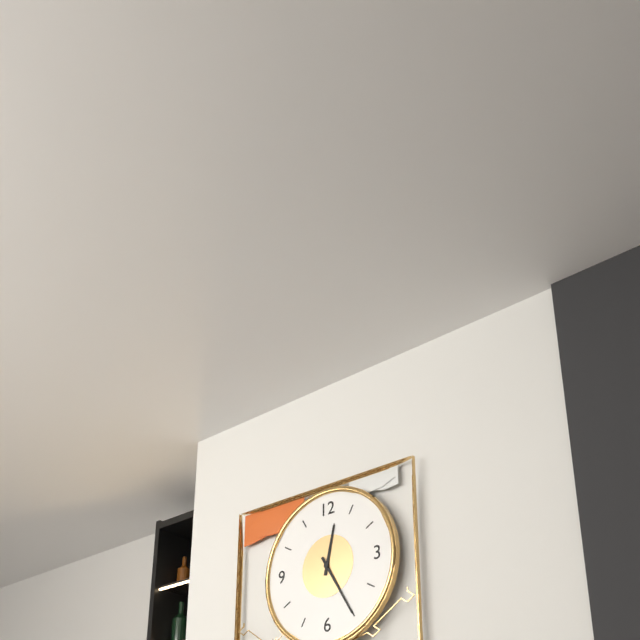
**12:25**
